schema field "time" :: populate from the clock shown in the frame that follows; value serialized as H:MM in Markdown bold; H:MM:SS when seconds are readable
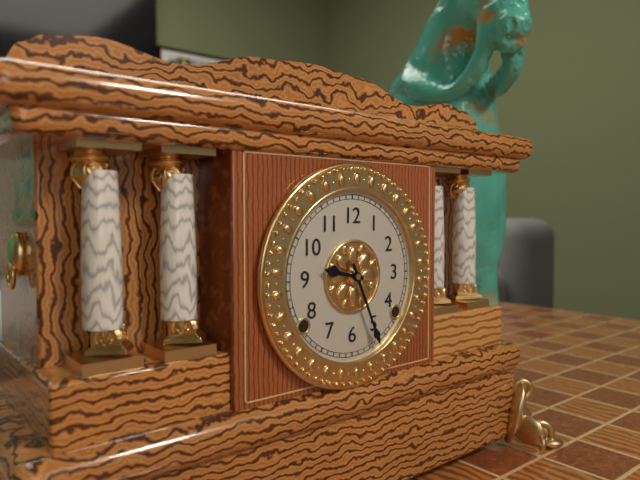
**9:26**
